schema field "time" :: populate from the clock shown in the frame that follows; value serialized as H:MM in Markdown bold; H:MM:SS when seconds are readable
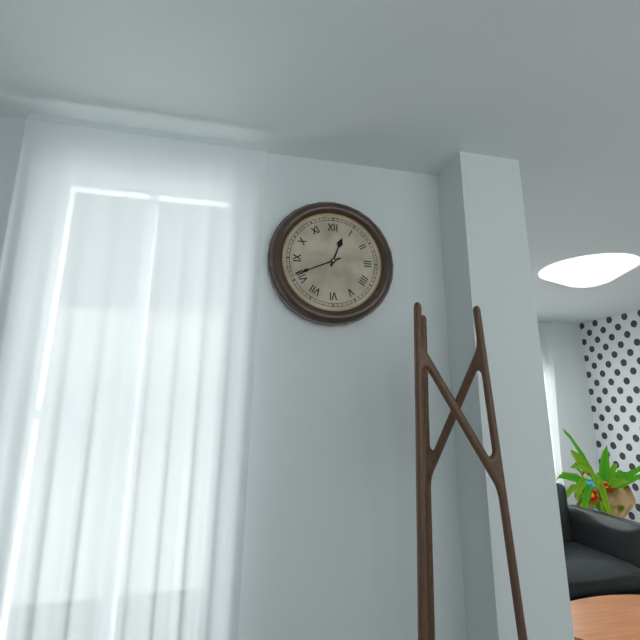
**12:41**
